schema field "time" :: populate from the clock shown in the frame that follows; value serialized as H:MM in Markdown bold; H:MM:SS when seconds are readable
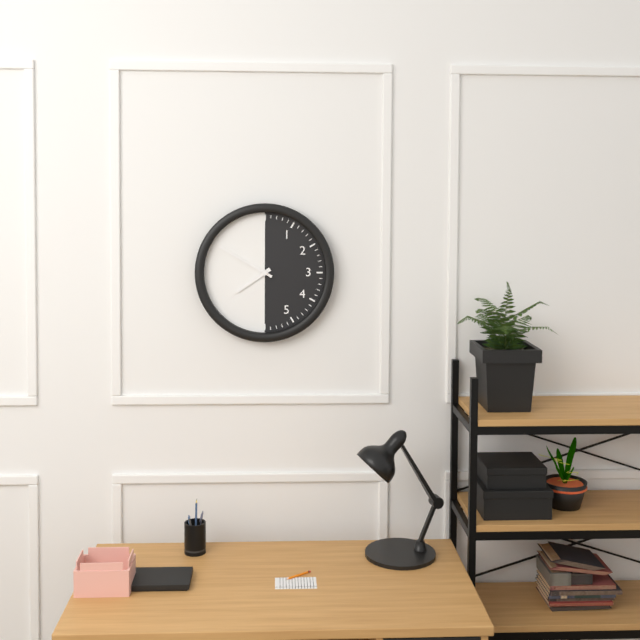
**7:50**
